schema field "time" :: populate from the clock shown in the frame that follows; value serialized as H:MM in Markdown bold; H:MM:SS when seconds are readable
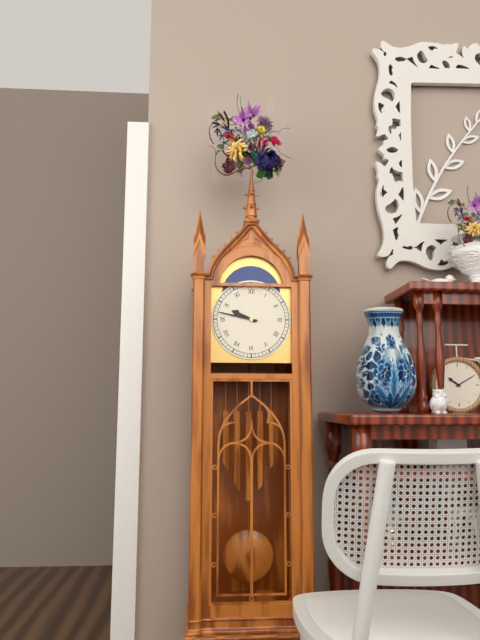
**9:47**
